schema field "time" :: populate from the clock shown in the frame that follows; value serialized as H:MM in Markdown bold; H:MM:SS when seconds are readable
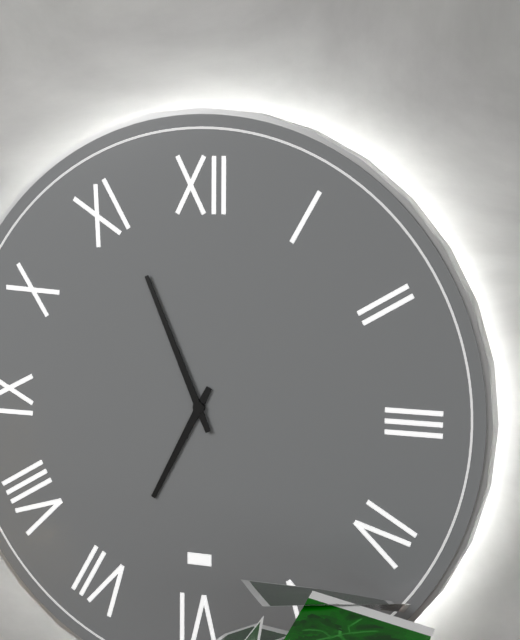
**6:56**
